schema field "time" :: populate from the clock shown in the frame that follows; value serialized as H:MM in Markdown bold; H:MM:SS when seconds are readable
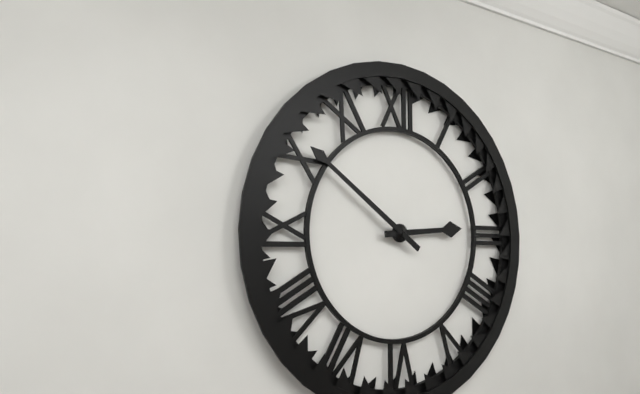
**2:51**
